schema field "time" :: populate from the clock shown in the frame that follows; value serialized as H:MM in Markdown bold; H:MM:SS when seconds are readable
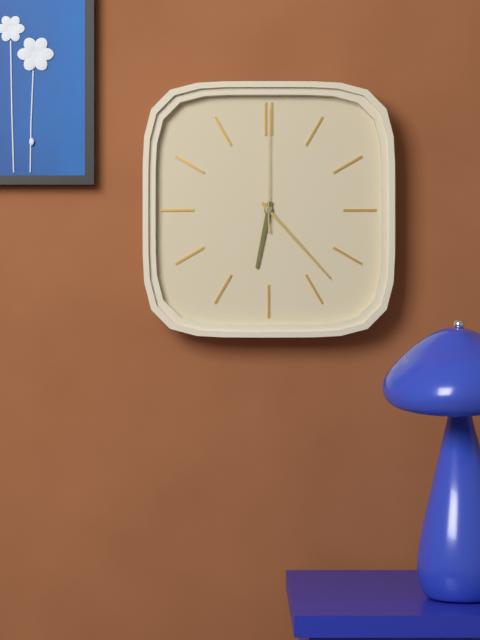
**6:23:00**
